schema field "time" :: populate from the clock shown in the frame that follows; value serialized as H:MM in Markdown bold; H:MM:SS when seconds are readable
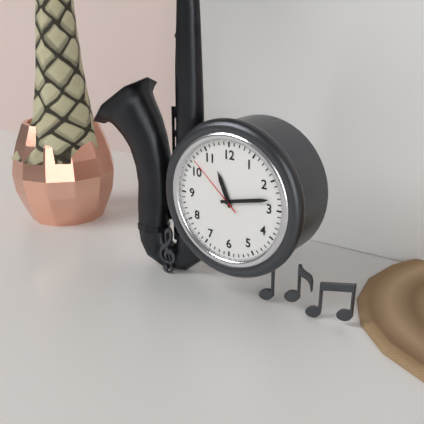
**11:13:52**
